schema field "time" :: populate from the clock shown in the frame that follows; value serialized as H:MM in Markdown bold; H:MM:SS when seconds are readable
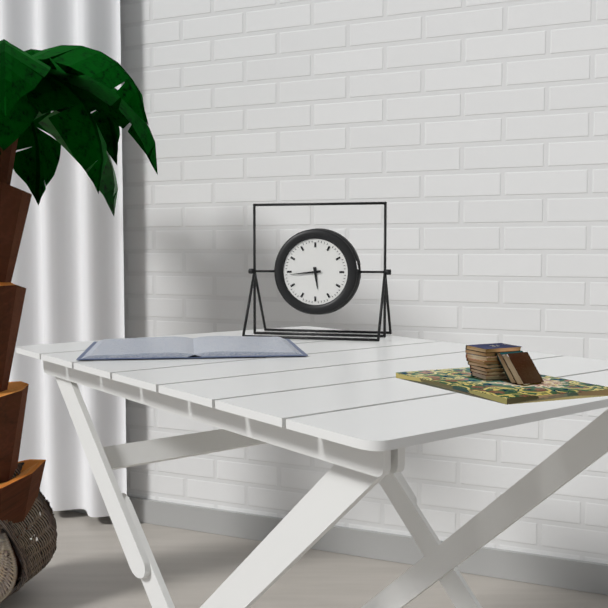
**5:44**
